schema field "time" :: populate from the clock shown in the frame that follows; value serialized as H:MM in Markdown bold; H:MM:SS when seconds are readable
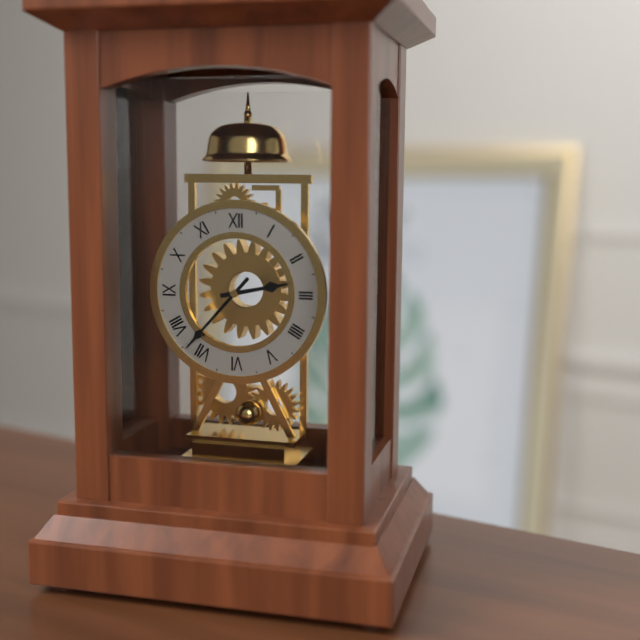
**2:37**
